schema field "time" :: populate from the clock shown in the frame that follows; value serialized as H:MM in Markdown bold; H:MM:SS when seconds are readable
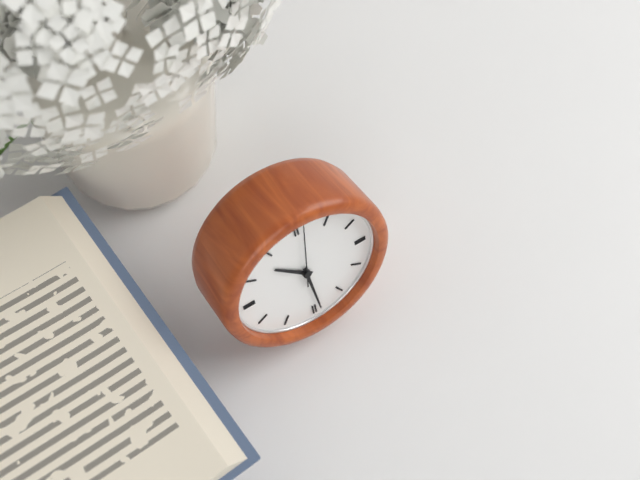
**10:29:01**
